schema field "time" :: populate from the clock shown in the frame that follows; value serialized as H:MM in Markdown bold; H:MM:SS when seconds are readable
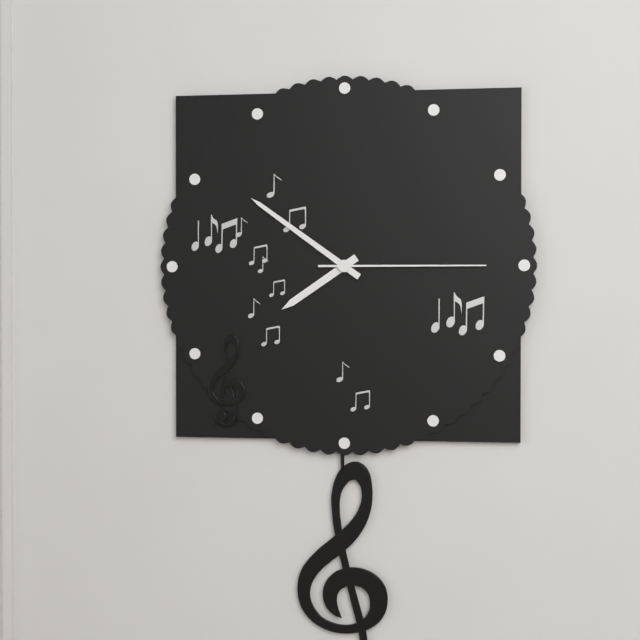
**7:51:15**
